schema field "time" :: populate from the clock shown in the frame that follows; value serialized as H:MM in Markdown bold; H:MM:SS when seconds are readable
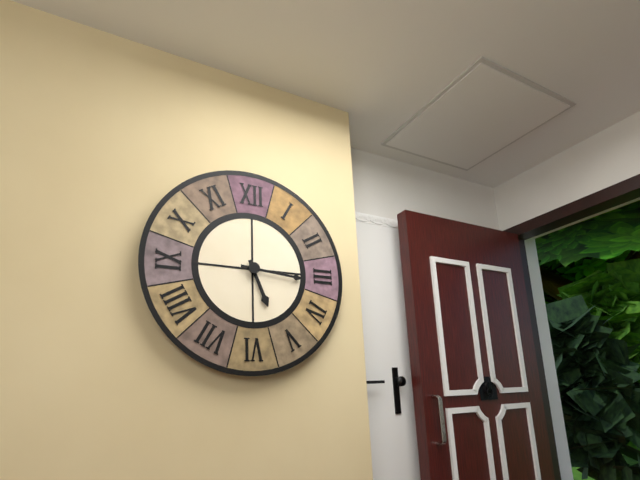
**5:16**
